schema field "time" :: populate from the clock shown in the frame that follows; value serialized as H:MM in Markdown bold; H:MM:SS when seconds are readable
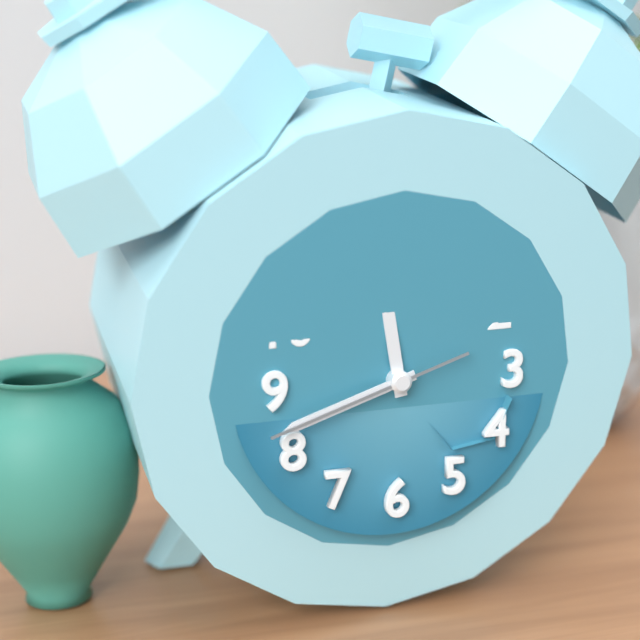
**11:42:42**
